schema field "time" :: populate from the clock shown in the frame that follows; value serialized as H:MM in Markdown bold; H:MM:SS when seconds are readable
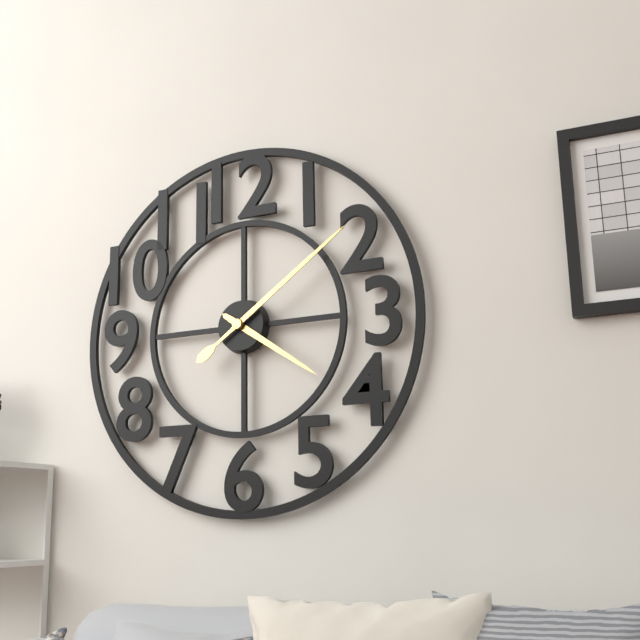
**4:09**
